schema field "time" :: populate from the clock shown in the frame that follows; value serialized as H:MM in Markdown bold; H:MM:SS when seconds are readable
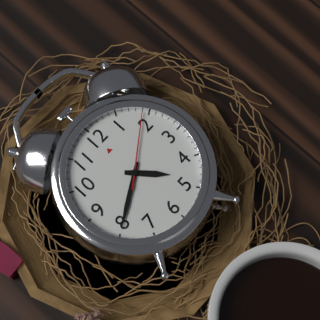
**4:40:09**
